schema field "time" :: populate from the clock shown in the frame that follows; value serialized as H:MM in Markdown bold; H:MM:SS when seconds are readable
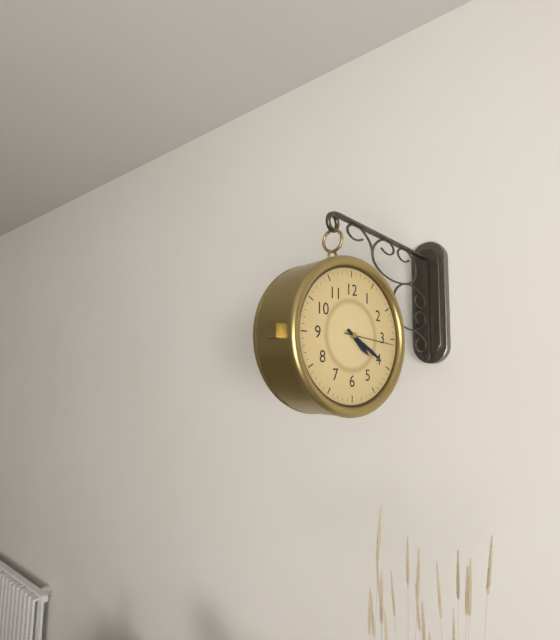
**4:20:16**
